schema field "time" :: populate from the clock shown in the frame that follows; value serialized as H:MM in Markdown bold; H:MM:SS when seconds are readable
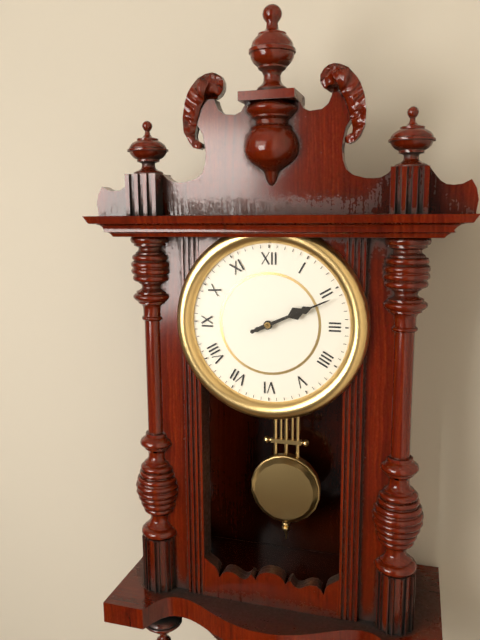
**2:11**
